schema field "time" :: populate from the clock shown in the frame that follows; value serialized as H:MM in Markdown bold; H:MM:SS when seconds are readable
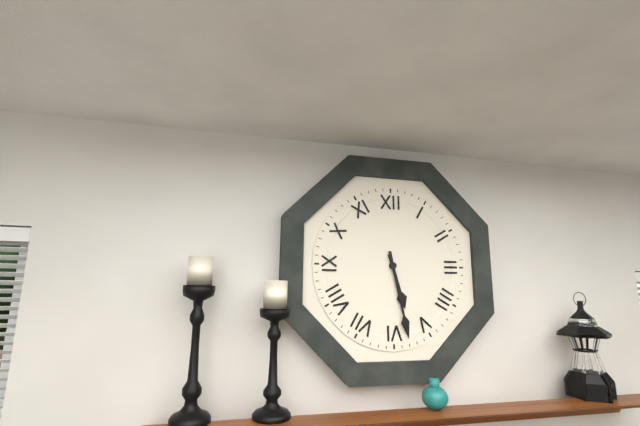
**5:28**
